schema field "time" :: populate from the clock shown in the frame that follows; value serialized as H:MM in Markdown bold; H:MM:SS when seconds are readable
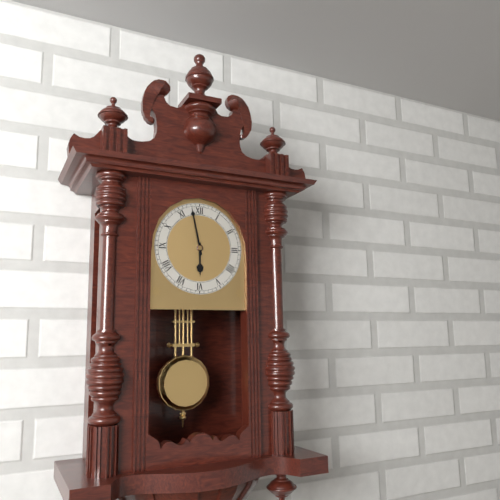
**5:58**
